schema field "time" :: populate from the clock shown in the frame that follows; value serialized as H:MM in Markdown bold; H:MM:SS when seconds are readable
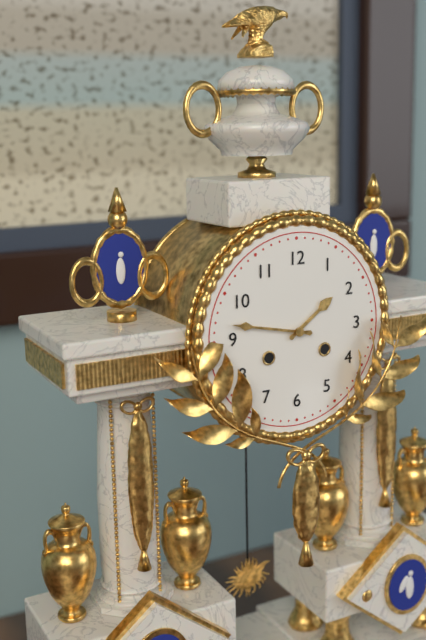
**1:47**
